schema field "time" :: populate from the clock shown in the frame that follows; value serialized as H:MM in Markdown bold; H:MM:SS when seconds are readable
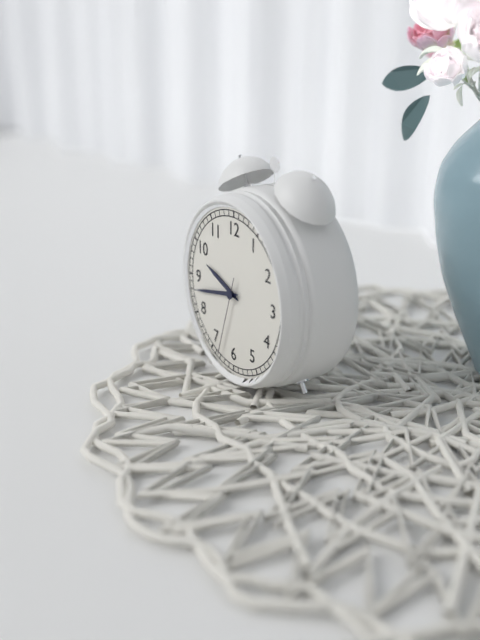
**9:43:33**
